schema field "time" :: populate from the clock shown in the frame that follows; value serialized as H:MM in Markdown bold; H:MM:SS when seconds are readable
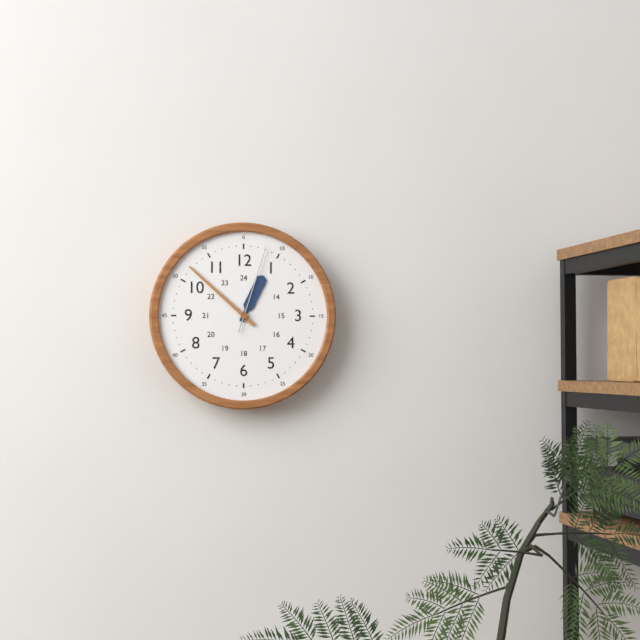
**12:52:03**
